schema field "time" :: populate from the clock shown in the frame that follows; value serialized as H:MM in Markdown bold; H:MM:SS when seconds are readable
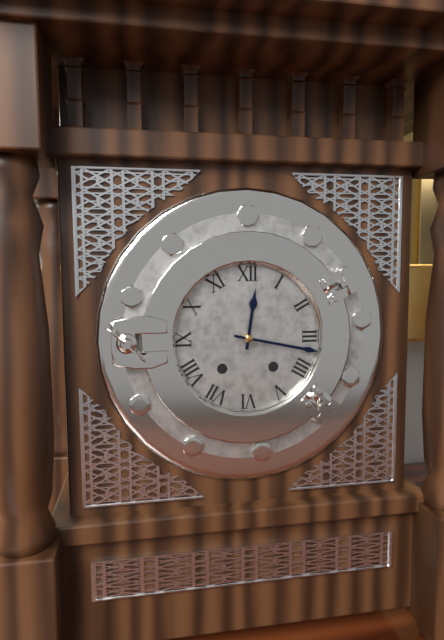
**12:17**
